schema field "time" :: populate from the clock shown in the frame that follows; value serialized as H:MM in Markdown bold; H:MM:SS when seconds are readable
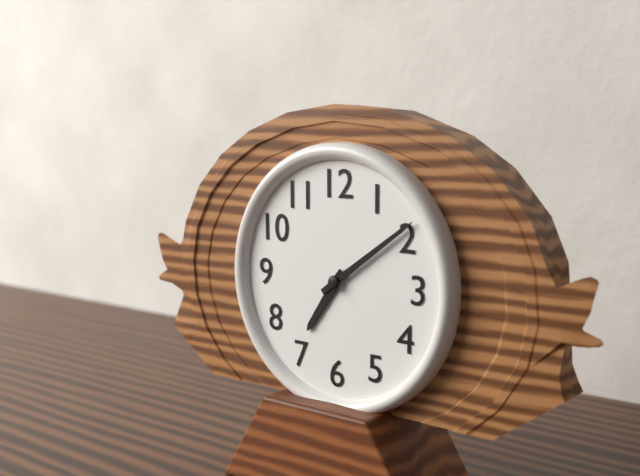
**7:09**
